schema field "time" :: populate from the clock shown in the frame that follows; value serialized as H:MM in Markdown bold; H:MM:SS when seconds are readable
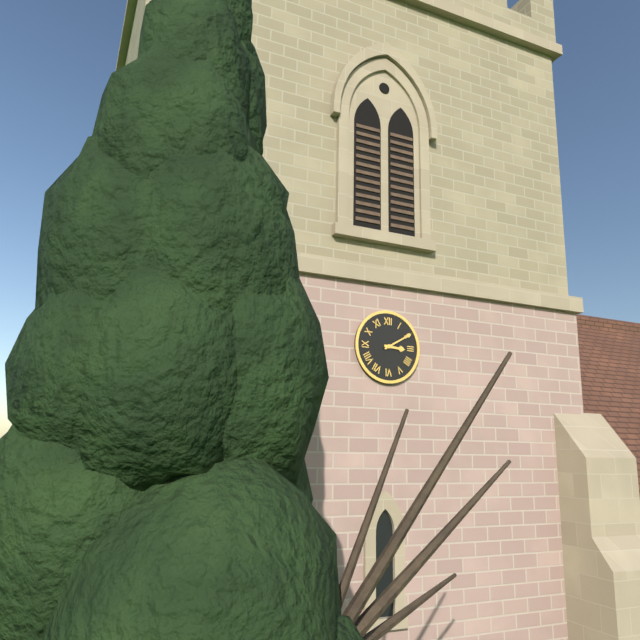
**3:10**
